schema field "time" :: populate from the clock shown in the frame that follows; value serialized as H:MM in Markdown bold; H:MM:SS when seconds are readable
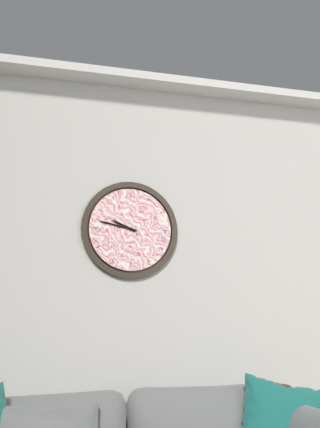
**9:47**
